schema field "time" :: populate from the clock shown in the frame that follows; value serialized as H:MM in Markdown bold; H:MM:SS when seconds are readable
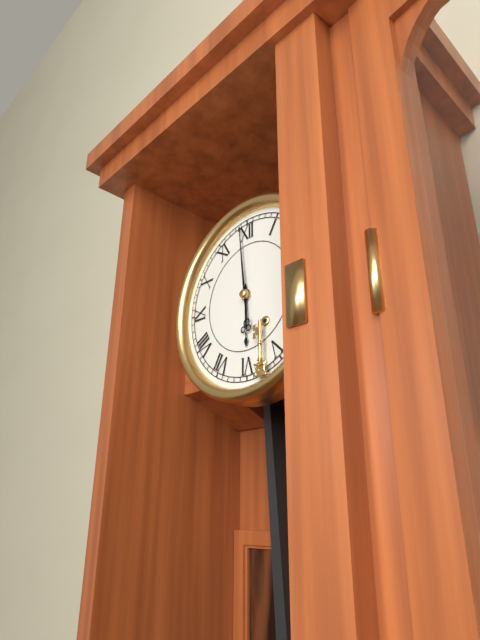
**5:59**
